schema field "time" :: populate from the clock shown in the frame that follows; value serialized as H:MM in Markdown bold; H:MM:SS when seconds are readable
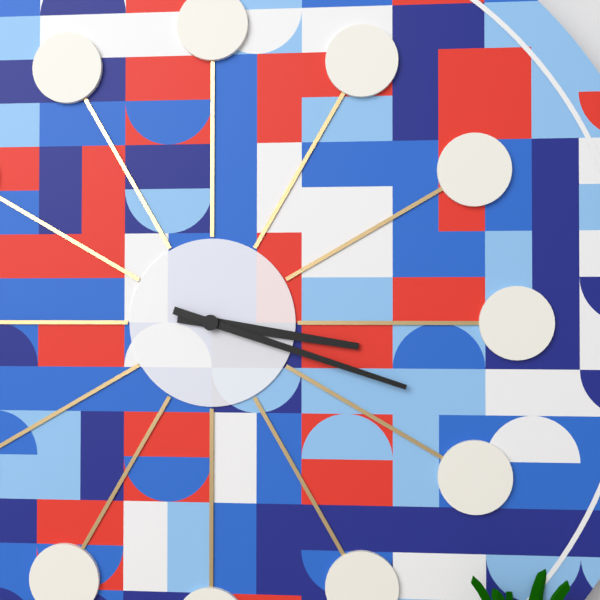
**3:18**
